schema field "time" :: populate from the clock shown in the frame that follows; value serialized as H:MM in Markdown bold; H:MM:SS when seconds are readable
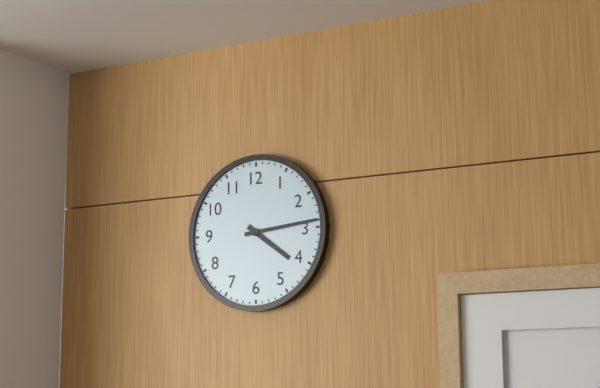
**4:14**
